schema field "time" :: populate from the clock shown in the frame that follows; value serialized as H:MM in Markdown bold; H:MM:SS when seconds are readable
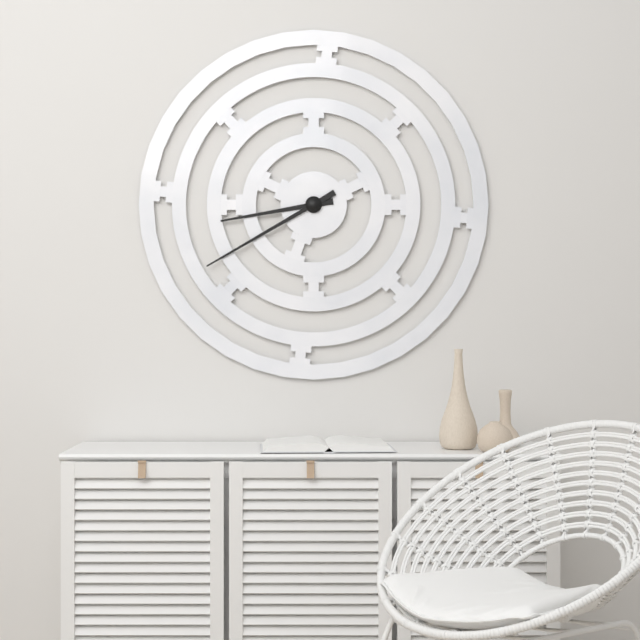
**8:40**
